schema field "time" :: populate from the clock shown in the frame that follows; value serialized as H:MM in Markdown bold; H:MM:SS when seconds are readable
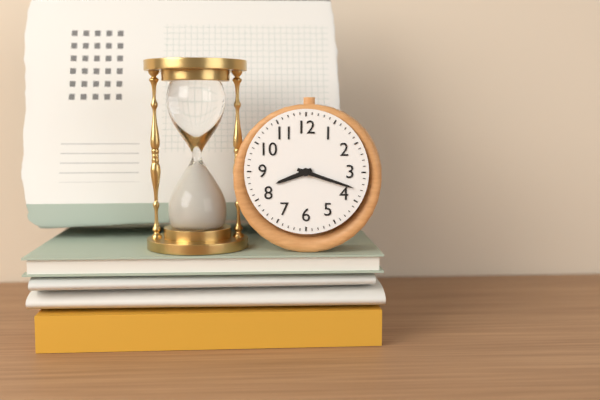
**8:18**
